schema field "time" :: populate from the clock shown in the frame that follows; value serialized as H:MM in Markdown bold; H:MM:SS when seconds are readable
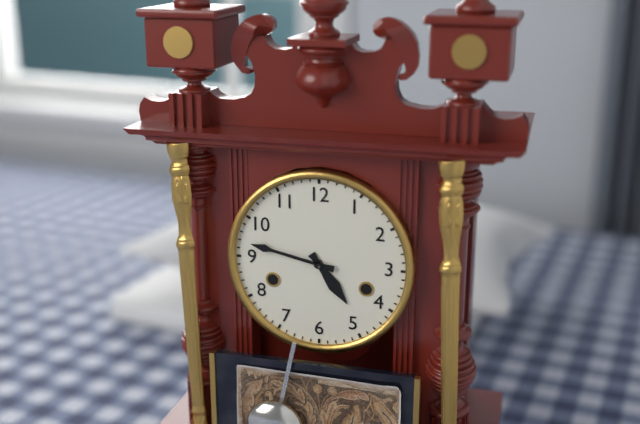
**4:47**
